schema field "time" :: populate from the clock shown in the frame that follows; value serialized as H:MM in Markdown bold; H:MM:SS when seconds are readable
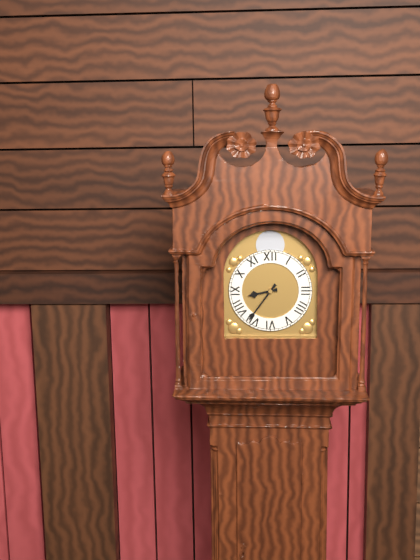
**8:36**
